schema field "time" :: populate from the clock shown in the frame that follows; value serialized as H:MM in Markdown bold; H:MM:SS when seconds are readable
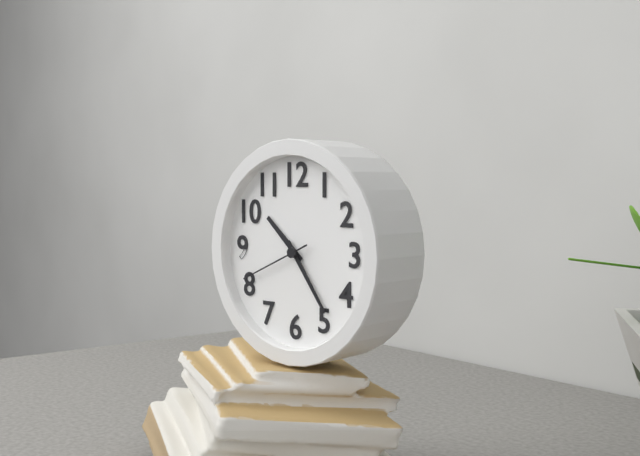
**10:24:41**
